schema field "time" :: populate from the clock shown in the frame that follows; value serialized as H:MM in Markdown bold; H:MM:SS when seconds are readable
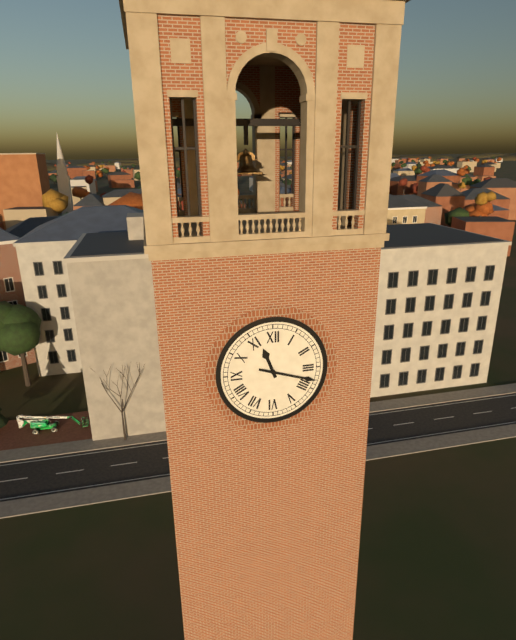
**11:18**
